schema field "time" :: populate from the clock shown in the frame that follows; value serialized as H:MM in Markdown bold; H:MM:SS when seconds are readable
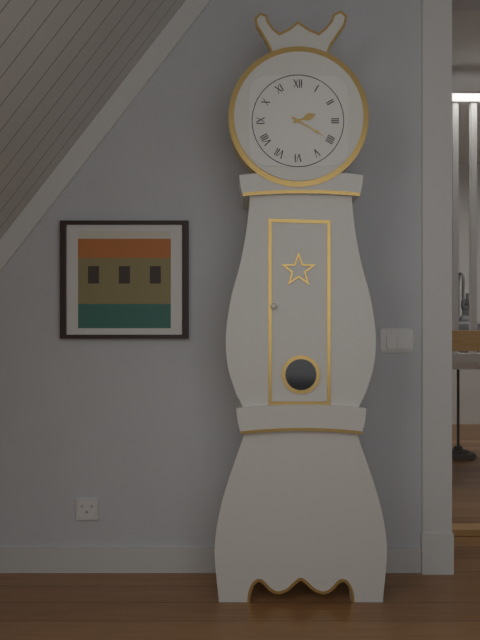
**2:20**
